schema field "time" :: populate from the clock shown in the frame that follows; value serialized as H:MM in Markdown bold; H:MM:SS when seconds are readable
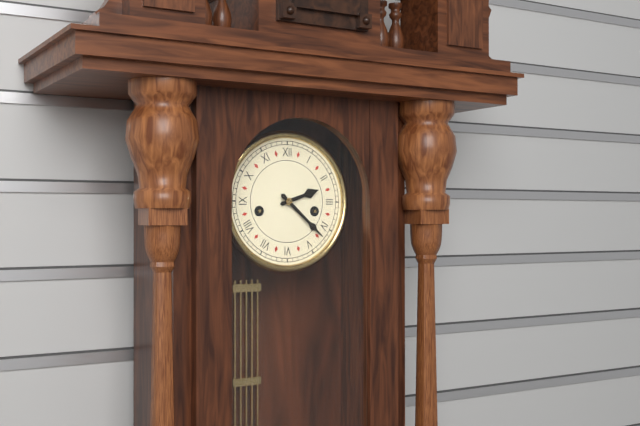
**2:22**
